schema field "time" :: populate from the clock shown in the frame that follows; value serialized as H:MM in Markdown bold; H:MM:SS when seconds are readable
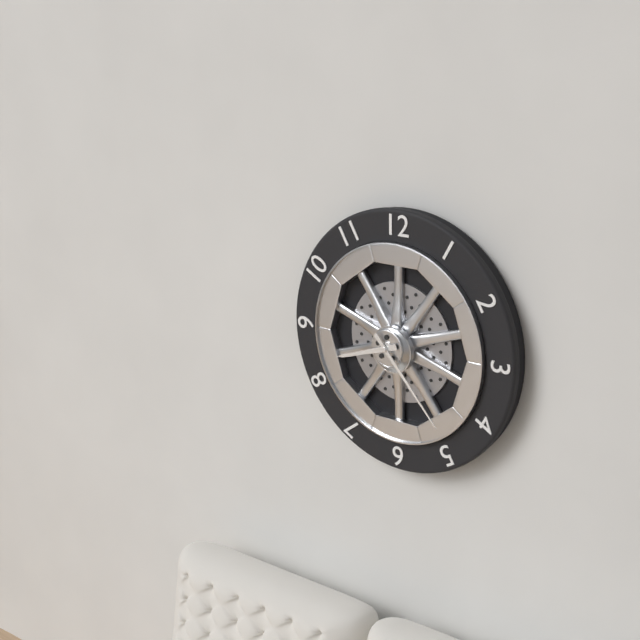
**8:23**
